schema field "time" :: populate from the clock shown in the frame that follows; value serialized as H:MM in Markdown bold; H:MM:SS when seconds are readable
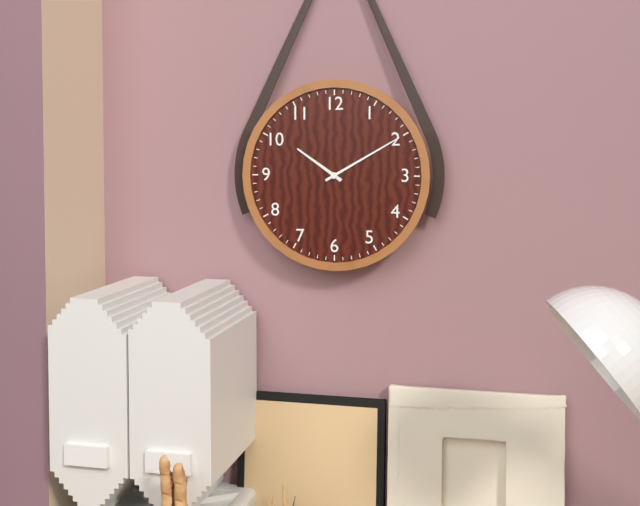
**10:10**
